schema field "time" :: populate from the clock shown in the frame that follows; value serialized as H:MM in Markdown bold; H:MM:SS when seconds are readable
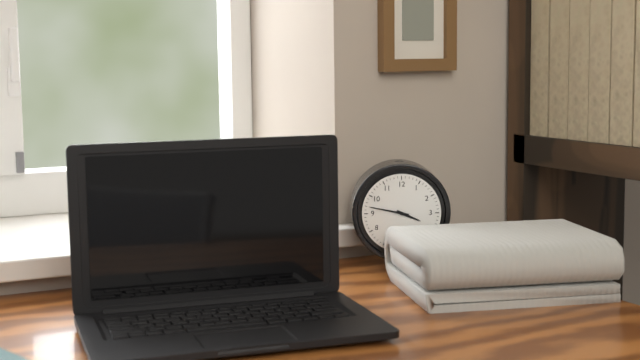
**3:47**
